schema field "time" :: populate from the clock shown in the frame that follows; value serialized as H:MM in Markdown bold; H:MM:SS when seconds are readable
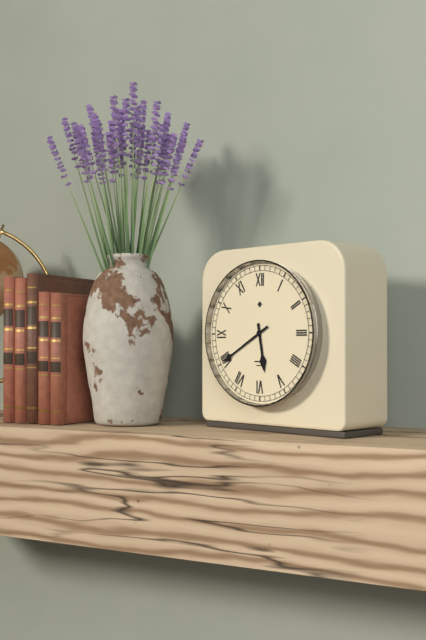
**5:40**
